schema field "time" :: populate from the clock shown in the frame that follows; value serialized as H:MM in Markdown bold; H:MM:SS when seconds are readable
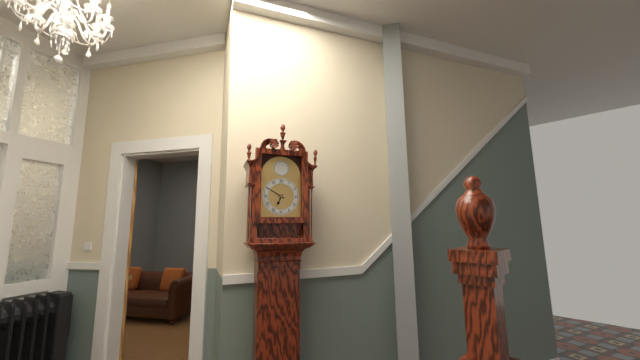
**6:50**
